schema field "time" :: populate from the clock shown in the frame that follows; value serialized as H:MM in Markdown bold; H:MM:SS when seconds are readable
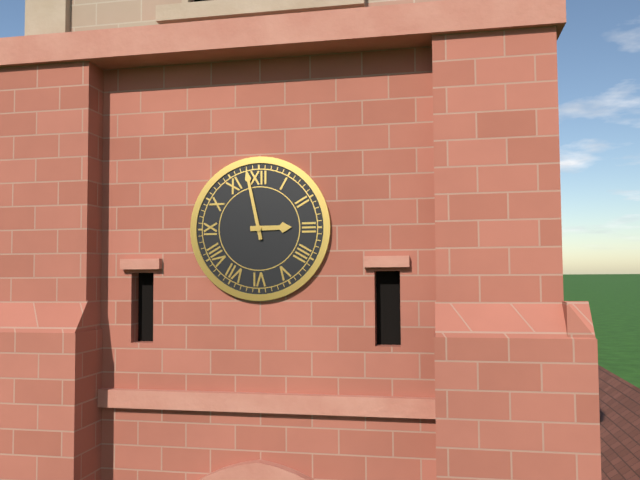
**2:58**
